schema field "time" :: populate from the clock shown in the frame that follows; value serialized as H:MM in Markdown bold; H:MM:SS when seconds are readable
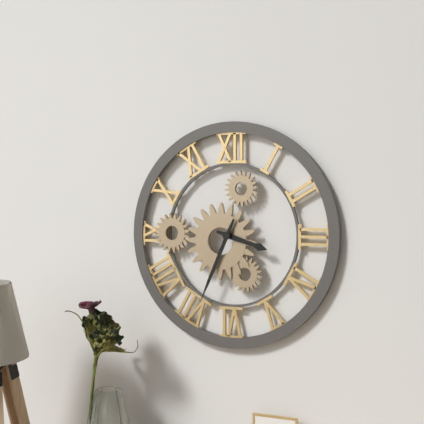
**3:34**
